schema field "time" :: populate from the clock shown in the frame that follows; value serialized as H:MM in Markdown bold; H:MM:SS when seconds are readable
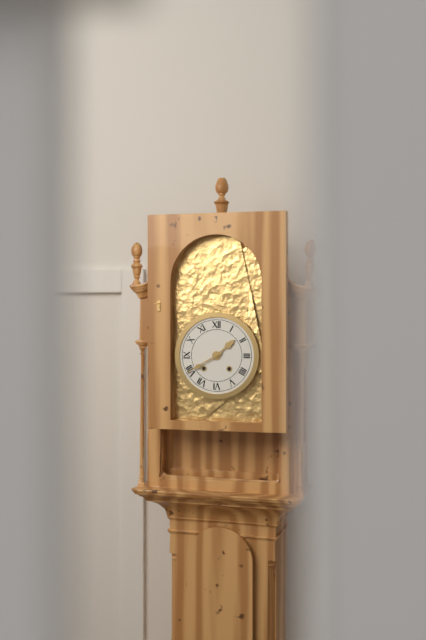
**1:40**
